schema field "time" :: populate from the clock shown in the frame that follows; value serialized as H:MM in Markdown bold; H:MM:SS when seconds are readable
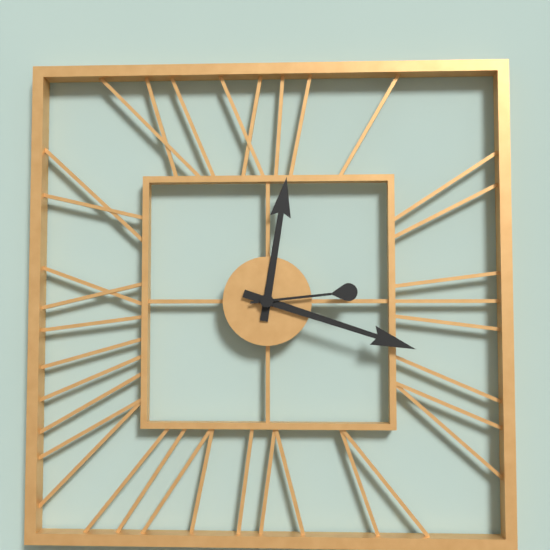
**12:18:14**
